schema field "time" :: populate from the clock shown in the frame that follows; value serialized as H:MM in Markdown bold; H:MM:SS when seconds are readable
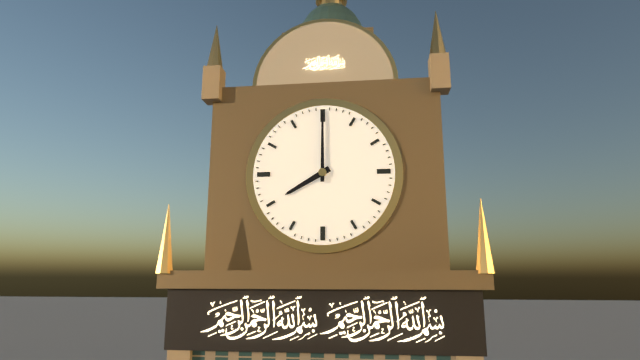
**8:00**
